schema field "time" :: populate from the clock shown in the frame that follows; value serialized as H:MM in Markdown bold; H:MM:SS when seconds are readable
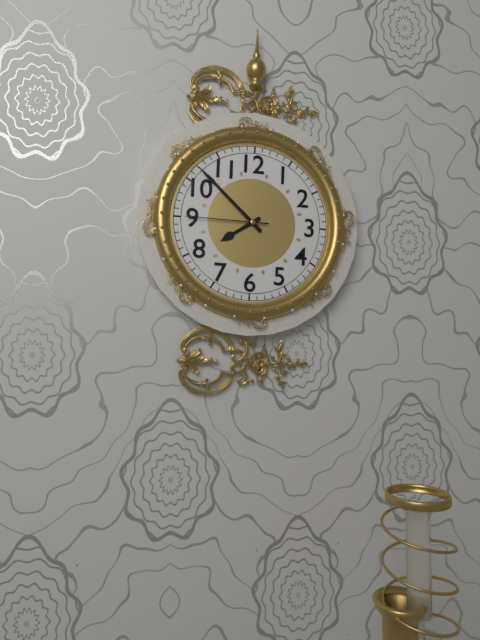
**7:52:45**
